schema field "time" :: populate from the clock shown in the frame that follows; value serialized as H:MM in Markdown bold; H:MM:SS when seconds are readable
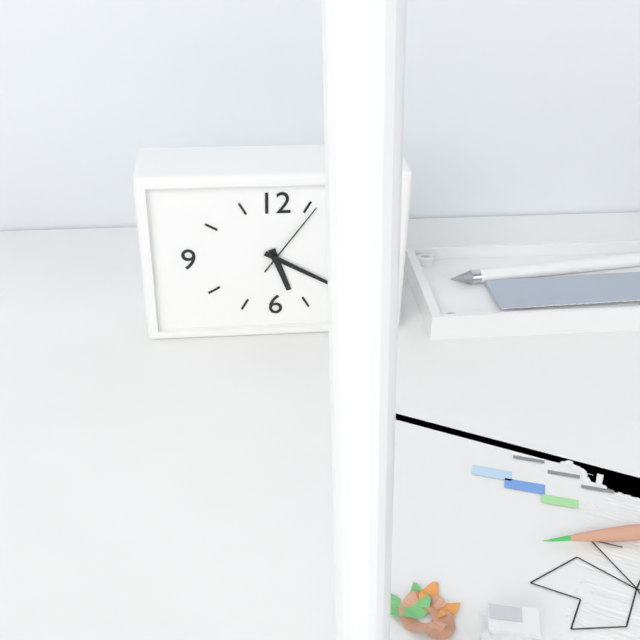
**5:20:06**
